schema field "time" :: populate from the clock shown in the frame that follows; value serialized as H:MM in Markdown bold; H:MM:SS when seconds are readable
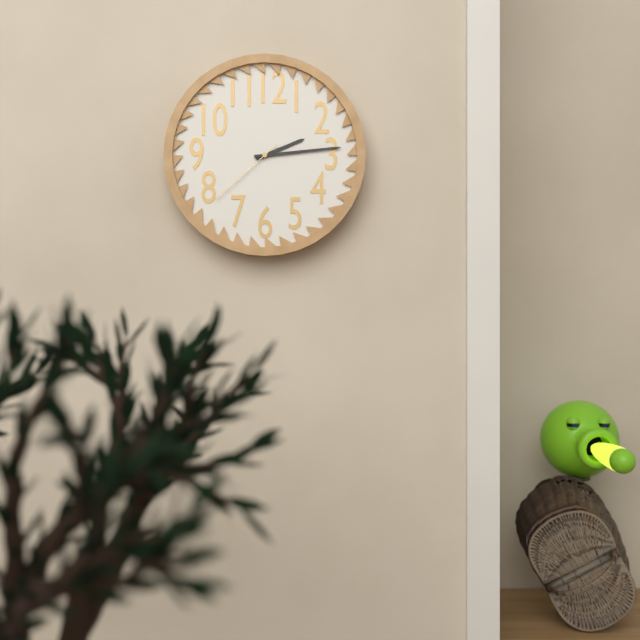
**2:14:38**
